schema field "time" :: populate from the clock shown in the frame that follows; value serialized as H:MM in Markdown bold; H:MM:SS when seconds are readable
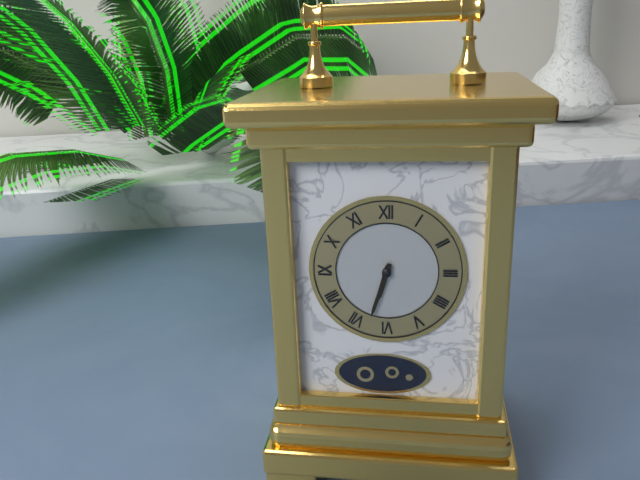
**6:33**
